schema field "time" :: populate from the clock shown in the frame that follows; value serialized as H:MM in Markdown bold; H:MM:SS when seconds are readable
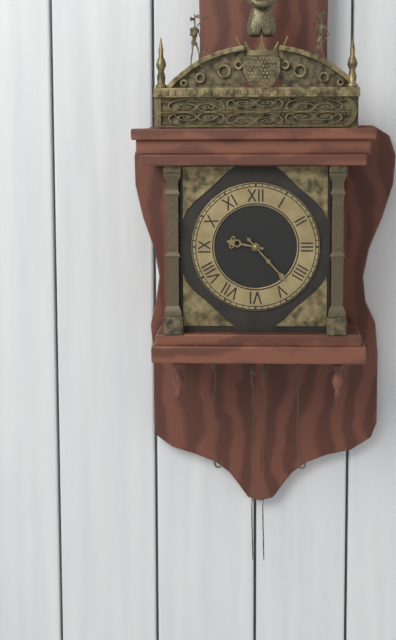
**9:23**
